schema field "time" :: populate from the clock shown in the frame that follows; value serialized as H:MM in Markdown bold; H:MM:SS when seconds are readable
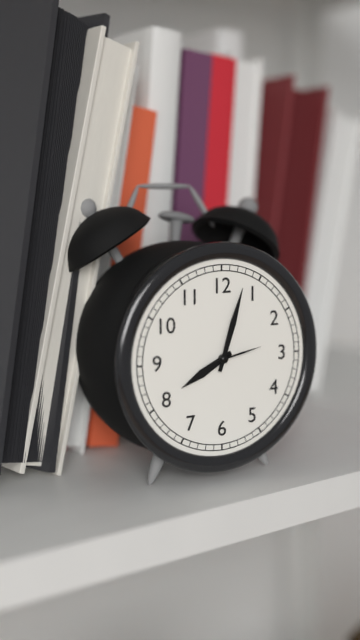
**8:03**
